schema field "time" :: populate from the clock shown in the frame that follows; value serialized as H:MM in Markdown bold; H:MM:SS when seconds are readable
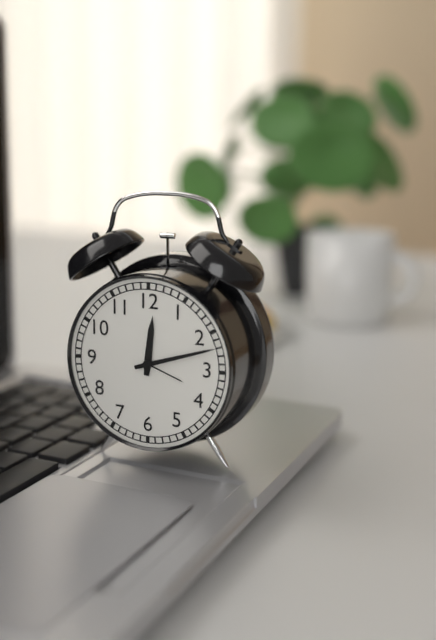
**12:12**
